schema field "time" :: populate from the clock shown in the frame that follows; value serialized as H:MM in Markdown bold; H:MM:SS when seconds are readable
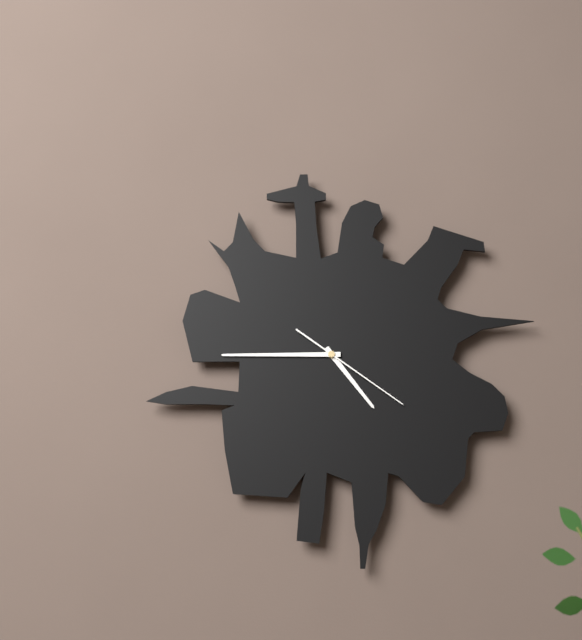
**4:45:21**
